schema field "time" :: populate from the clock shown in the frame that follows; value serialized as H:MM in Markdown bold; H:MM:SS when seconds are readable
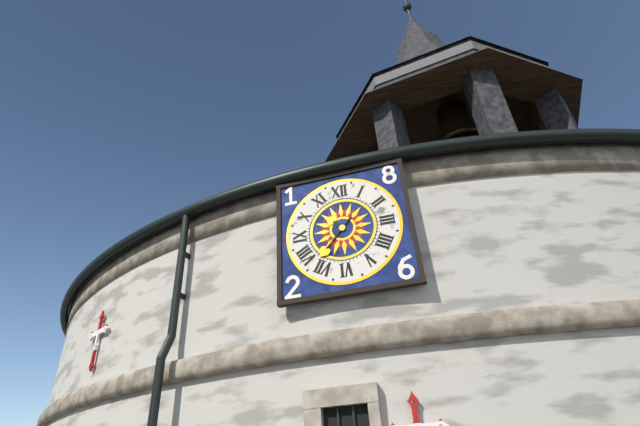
**10:37**
